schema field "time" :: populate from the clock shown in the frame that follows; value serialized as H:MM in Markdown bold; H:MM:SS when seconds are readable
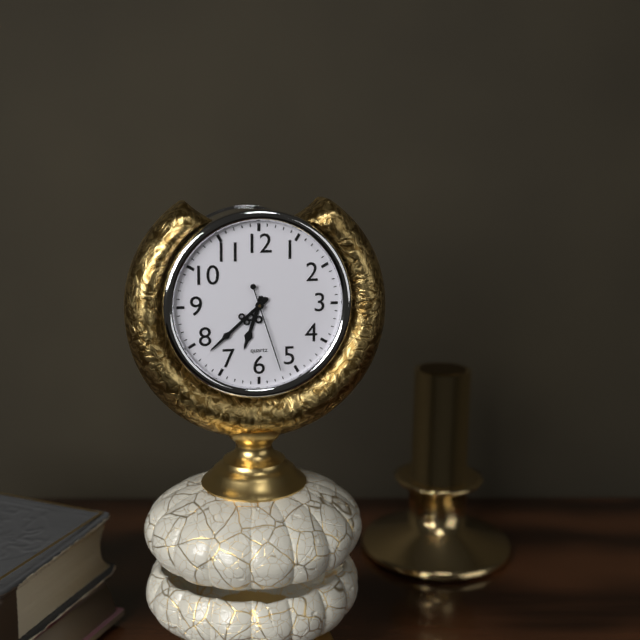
**6:38:27**
